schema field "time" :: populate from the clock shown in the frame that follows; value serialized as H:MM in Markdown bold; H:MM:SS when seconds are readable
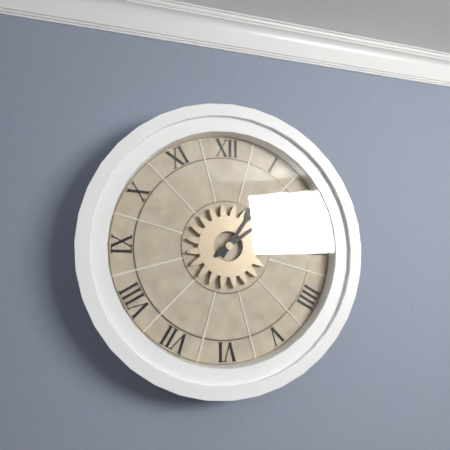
**1:09**
